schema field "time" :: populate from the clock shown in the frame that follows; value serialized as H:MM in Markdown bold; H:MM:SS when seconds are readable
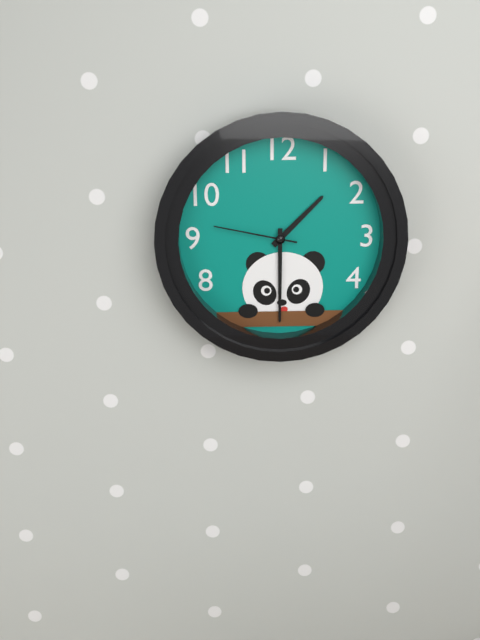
**1:30:47**
